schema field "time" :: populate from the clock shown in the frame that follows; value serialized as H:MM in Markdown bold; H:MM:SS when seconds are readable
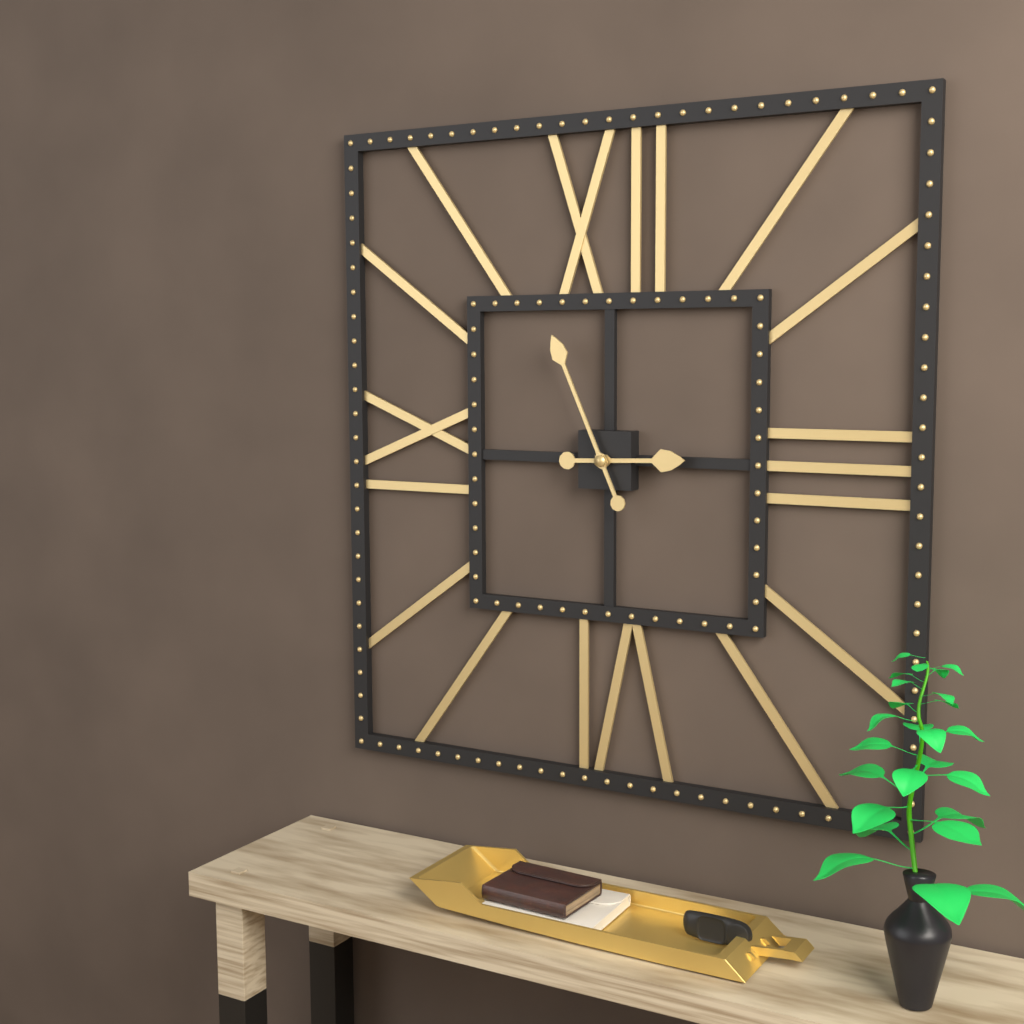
**2:56**
